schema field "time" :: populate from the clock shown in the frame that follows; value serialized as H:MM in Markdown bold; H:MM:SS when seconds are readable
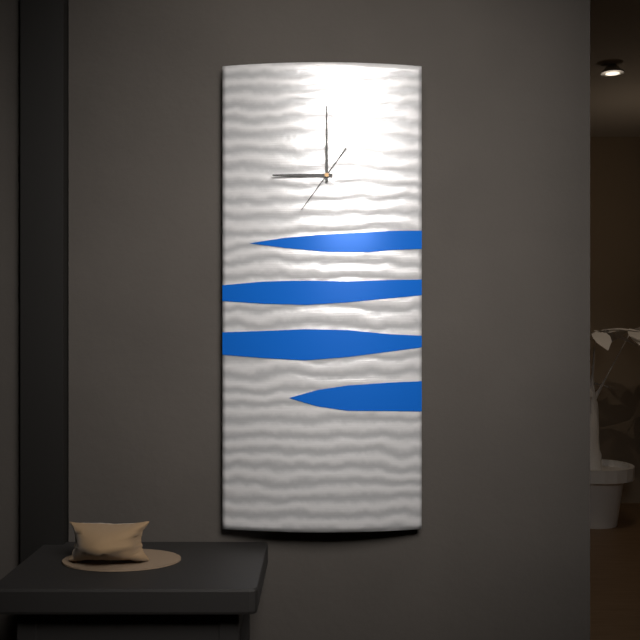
**9:00**
